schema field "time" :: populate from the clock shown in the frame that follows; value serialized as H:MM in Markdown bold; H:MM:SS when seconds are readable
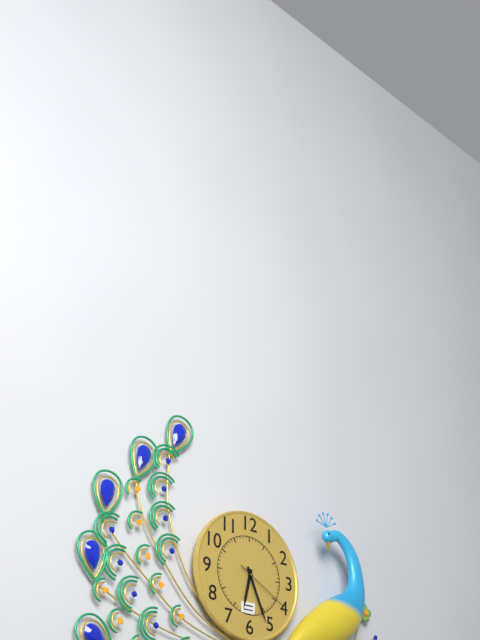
**6:26:20**
